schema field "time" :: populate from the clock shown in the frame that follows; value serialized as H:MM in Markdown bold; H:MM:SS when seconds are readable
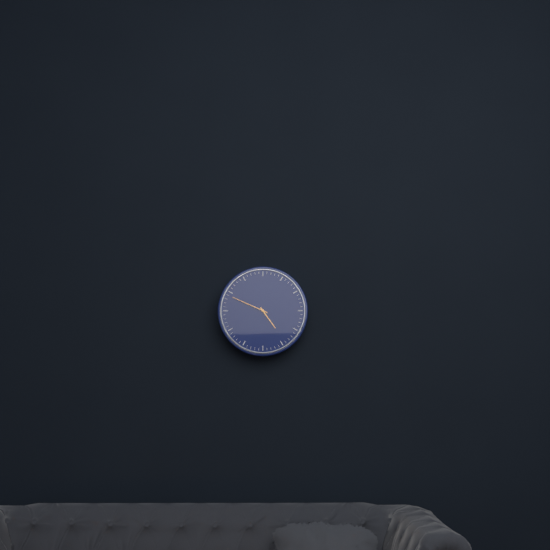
**4:49**
